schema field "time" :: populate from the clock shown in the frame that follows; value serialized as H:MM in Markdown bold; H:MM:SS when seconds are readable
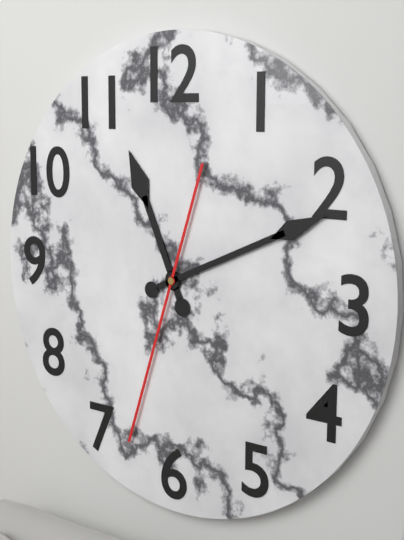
**11:11:33**
